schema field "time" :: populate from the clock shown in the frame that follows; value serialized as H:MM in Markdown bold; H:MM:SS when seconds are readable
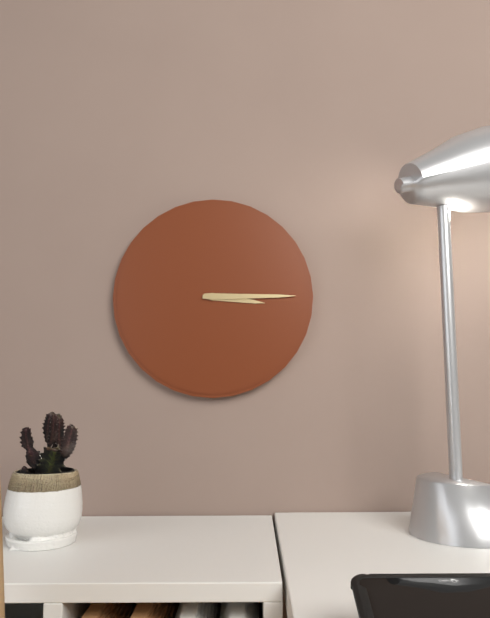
**3:15**
